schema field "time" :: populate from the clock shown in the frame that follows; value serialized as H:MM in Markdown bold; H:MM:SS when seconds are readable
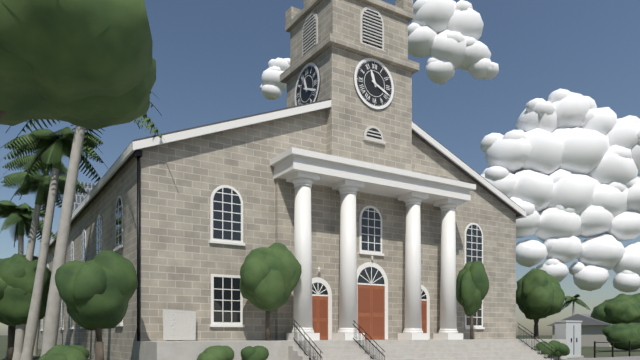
**11:19**
